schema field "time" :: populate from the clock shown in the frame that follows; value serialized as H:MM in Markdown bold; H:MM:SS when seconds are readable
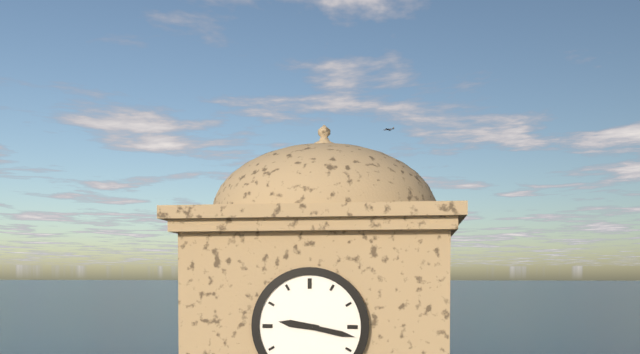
**9:17**
